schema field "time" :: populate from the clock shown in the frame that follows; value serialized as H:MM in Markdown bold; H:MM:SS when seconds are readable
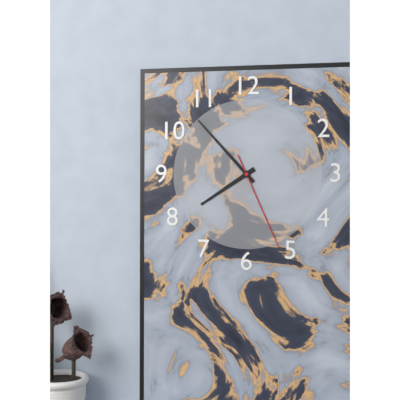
**7:53:26**
